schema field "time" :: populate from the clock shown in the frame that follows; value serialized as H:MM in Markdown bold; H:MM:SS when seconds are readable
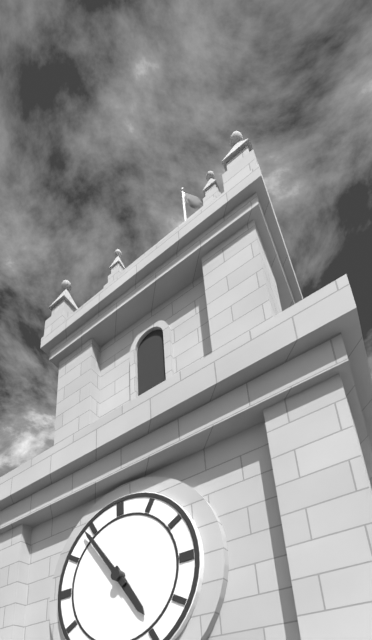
**4:54**
